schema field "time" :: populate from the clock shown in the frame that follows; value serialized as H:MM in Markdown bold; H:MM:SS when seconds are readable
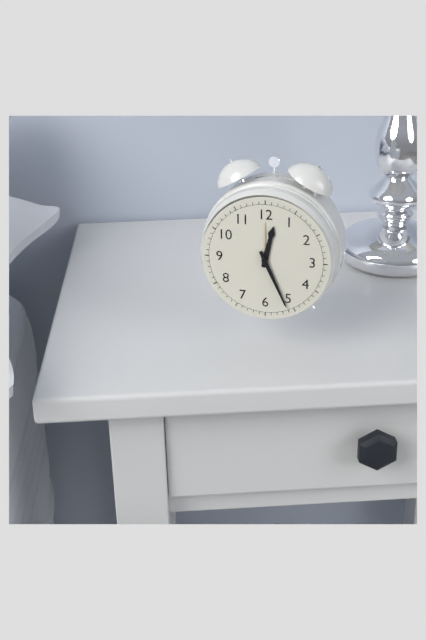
**12:26**
